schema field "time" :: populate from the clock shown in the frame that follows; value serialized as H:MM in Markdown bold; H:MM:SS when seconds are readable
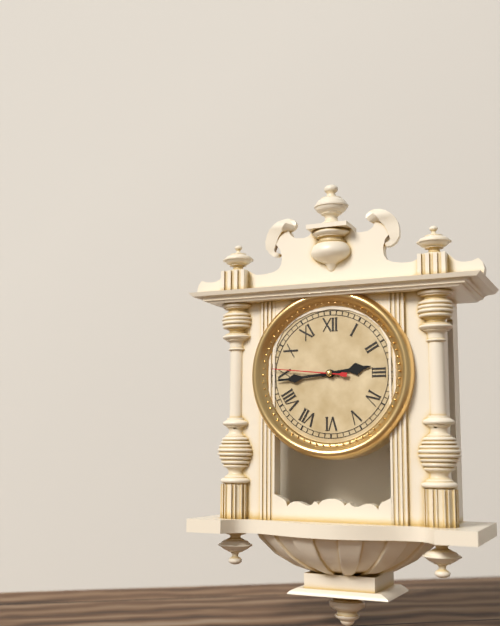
**2:44:46**
